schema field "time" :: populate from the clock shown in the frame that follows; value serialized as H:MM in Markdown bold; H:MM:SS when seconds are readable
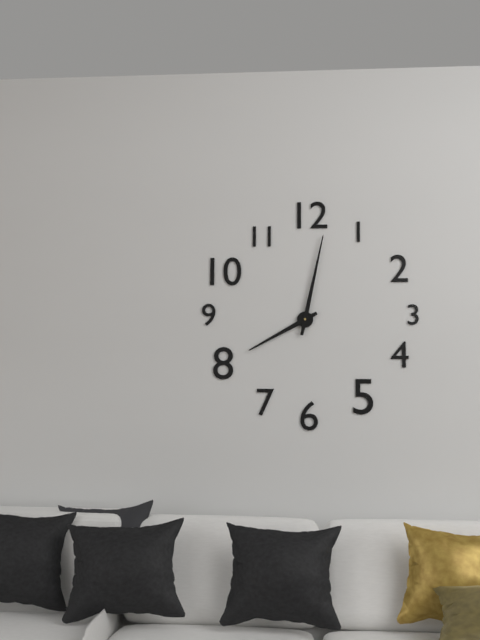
**8:02**
